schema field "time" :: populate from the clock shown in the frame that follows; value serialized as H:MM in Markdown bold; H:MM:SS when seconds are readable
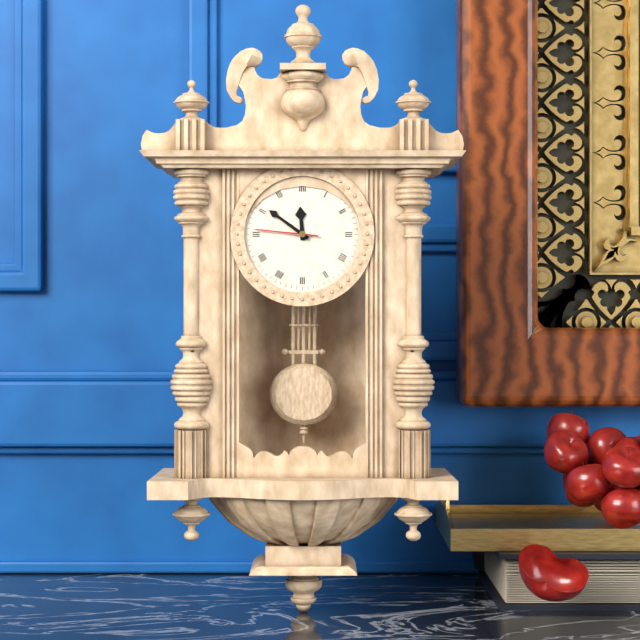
**11:51:46**
